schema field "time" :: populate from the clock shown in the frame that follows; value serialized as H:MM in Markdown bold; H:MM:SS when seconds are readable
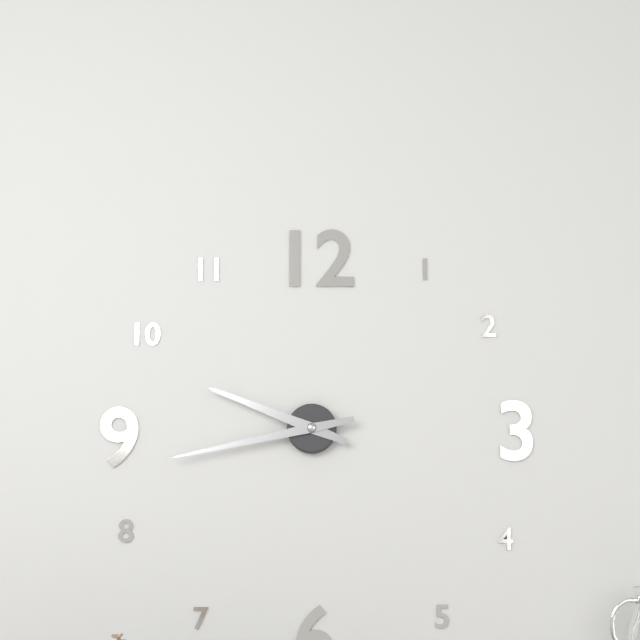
**9:43**
